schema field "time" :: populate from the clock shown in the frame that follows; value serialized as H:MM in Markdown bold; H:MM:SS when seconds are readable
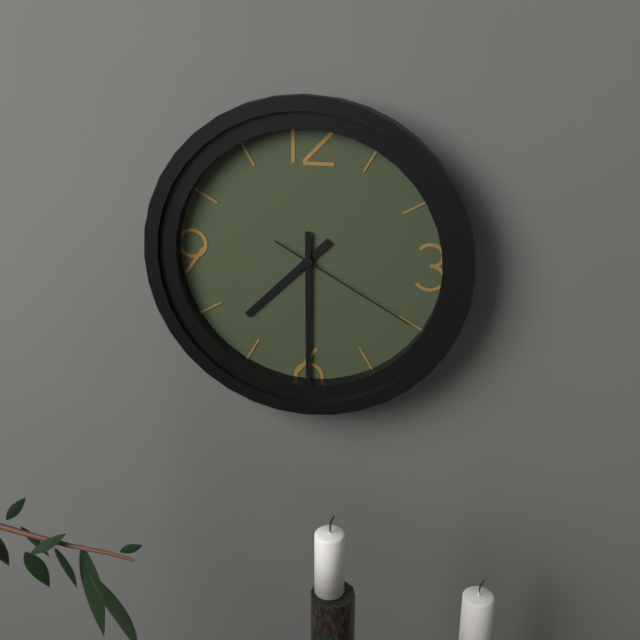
**7:30:20**
